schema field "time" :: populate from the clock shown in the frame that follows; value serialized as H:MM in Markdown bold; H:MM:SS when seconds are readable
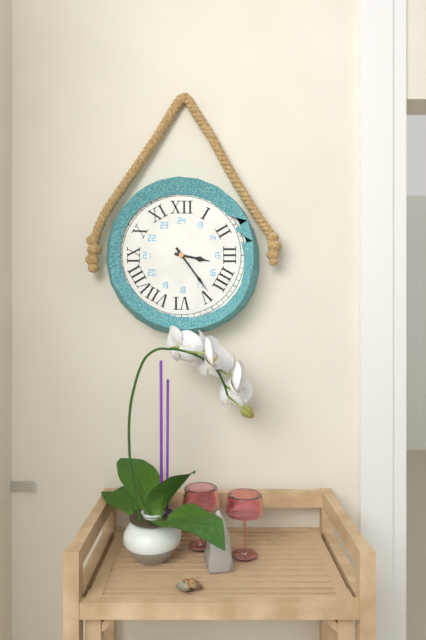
**3:24**
